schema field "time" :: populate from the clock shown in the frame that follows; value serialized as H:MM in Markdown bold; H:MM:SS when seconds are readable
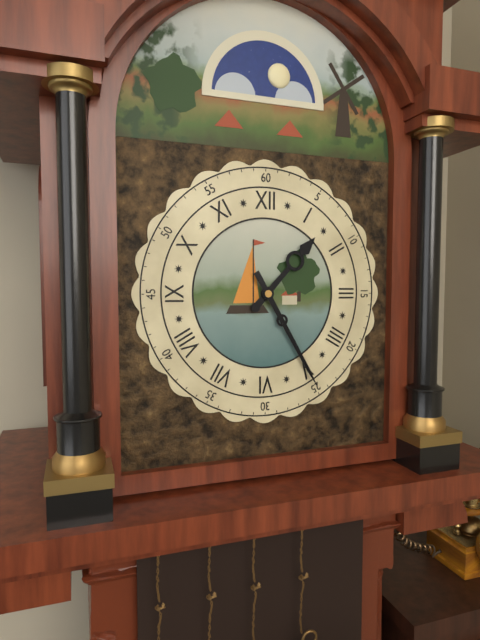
**1:25**
